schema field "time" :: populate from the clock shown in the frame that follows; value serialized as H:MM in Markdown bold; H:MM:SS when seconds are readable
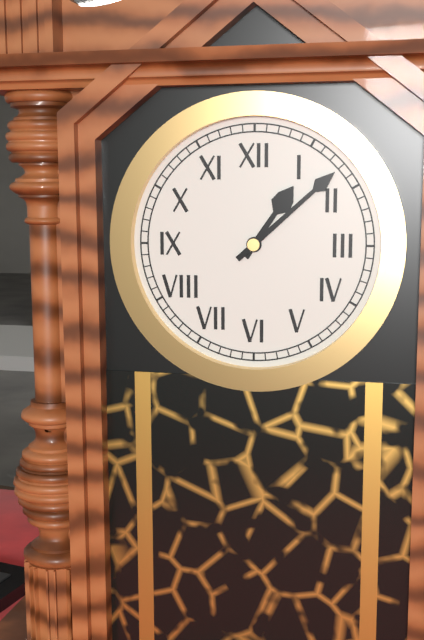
**1:08**
